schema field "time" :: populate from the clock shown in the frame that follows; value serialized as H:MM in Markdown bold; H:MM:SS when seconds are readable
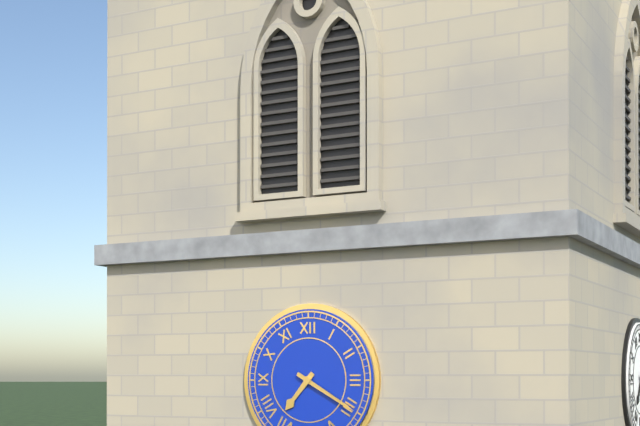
**7:20**
